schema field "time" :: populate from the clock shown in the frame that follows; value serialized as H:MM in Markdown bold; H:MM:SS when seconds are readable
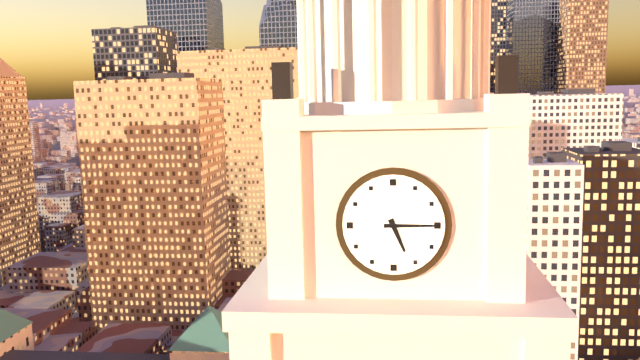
**5:15**
